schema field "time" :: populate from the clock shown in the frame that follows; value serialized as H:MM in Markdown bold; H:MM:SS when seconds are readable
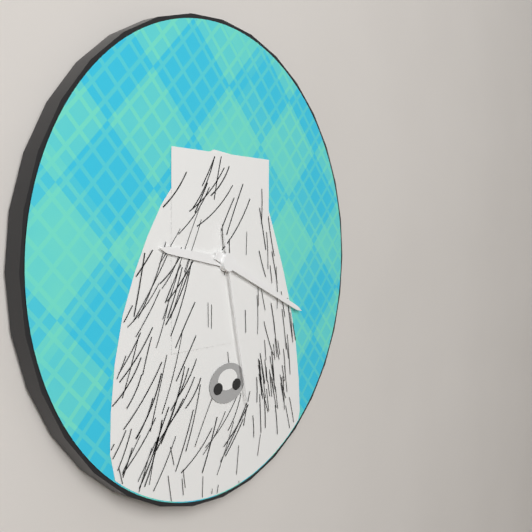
**9:19:28**
